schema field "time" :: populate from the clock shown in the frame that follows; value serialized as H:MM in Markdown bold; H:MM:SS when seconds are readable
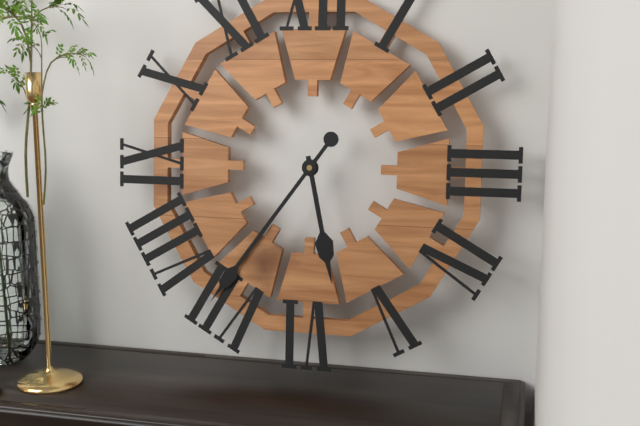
**5:36**
